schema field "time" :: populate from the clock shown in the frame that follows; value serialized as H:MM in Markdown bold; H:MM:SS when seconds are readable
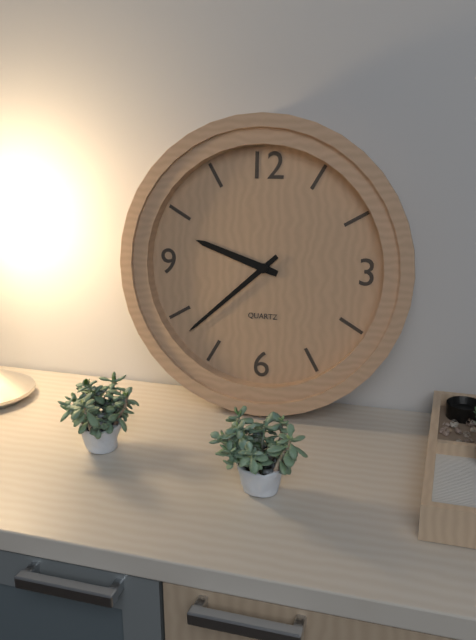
**9:38**
